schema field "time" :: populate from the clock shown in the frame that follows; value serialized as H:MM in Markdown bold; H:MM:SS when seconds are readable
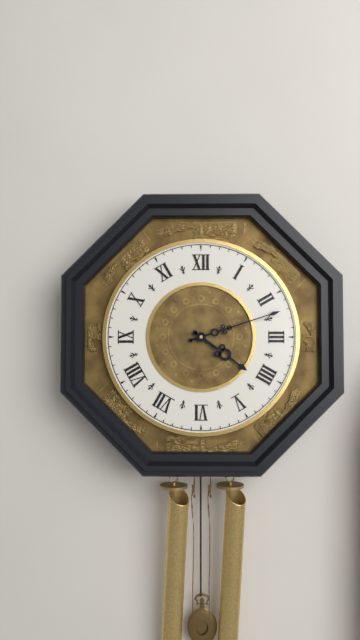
**4:12**
